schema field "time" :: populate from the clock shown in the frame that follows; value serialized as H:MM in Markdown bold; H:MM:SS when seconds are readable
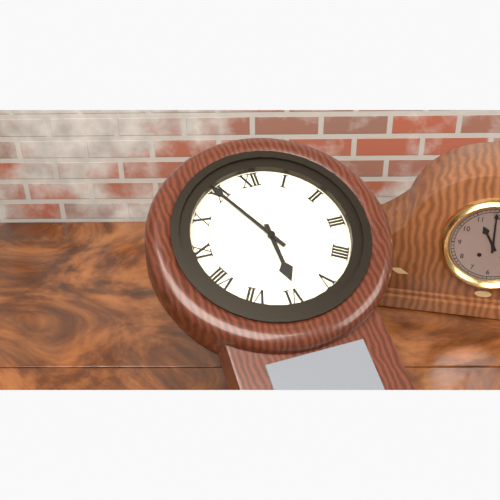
**5:55**
